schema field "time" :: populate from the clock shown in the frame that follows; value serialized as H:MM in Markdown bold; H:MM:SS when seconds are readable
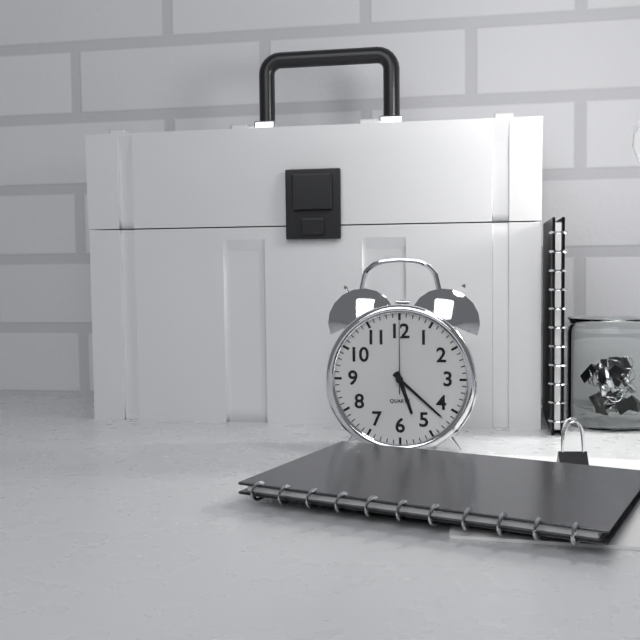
**5:22:00**
